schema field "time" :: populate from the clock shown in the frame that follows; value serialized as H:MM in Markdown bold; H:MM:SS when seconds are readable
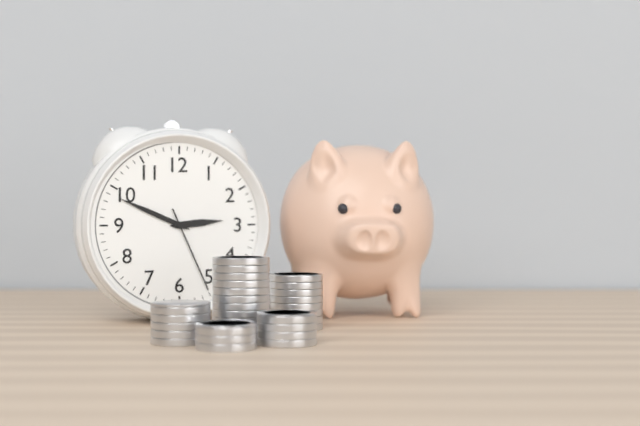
**2:49:26**
